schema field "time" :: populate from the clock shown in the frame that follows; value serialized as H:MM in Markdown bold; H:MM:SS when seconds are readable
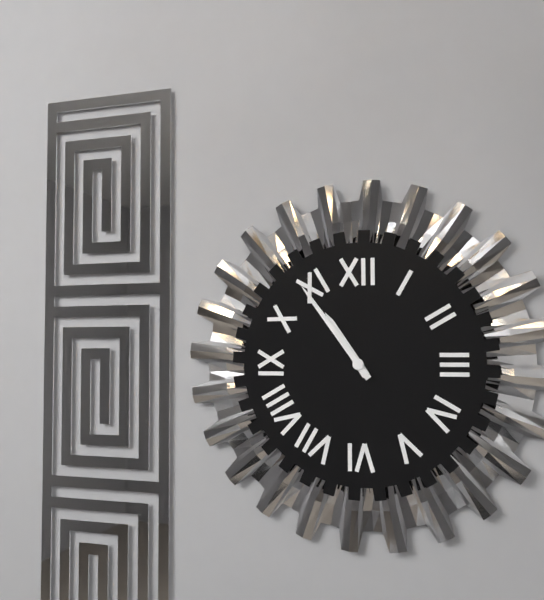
**10:54**
